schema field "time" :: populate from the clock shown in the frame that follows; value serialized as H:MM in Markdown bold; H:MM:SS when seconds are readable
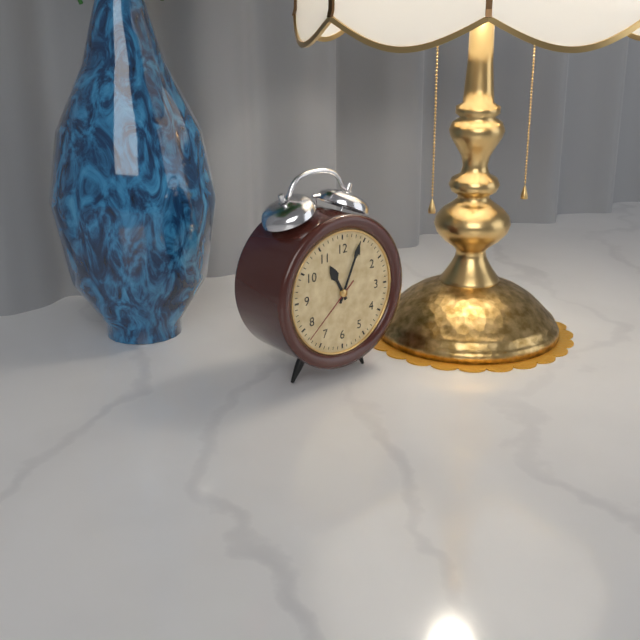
**11:04:38**
